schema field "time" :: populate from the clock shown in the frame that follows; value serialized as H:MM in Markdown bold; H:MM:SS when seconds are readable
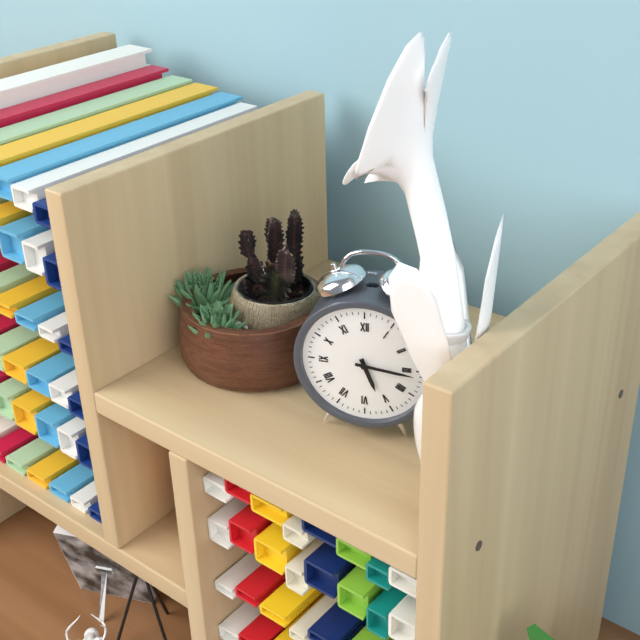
**5:16**
